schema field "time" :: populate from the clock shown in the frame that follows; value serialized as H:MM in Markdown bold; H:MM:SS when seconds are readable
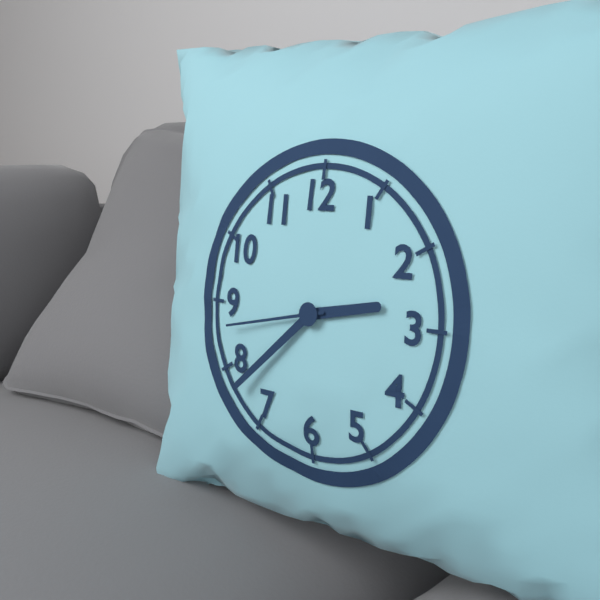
**2:38:43**
